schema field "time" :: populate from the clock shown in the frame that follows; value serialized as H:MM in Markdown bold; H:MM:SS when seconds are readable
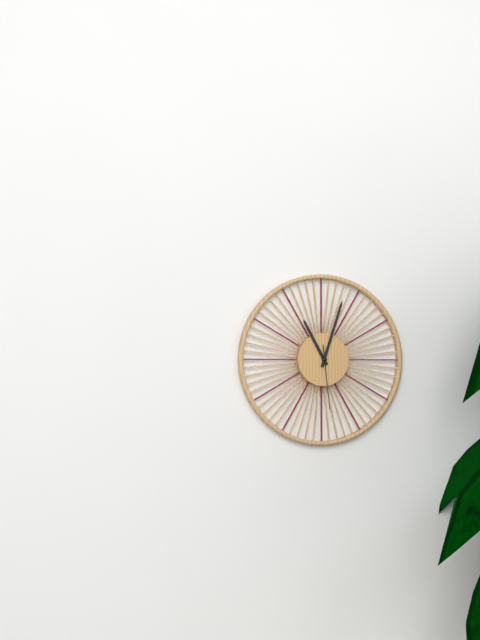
**11:03:29**
